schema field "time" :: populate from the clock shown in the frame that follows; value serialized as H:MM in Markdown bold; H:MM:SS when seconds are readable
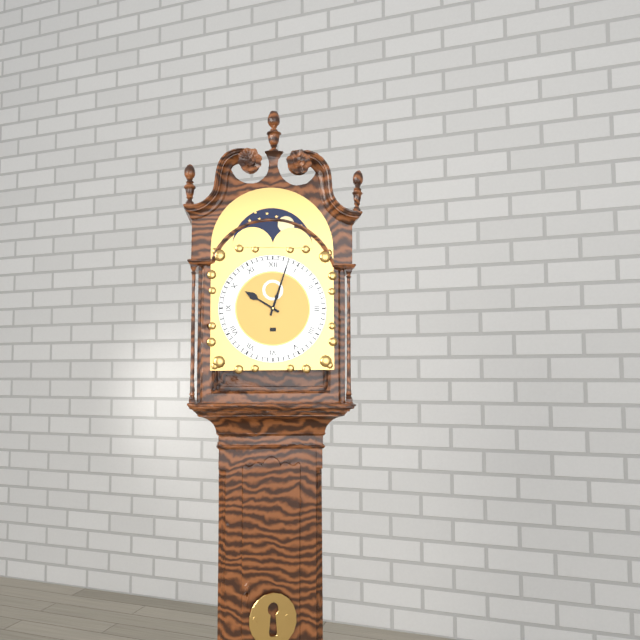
**10:03**
